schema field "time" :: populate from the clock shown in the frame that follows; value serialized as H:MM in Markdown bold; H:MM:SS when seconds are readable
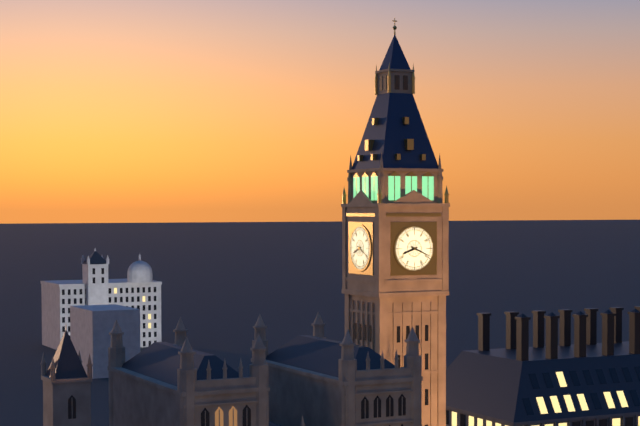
**8:19**
